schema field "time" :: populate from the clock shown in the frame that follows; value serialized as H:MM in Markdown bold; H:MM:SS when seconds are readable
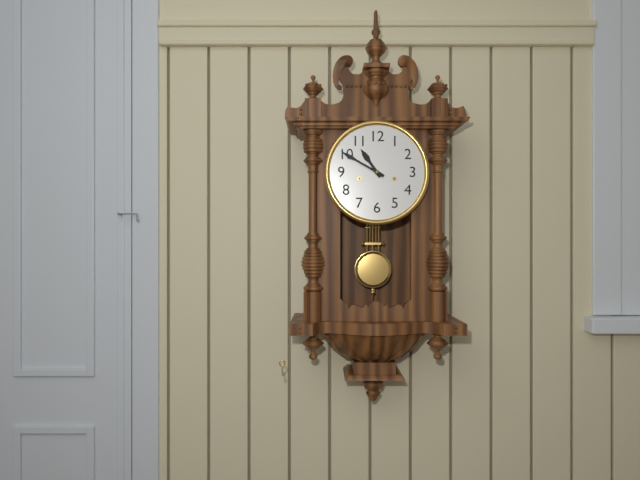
**10:50**
